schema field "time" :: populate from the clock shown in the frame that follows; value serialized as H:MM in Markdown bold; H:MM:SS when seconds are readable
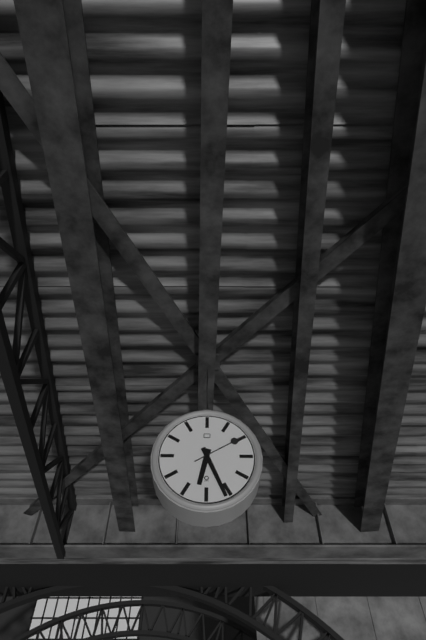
**6:26:10**
